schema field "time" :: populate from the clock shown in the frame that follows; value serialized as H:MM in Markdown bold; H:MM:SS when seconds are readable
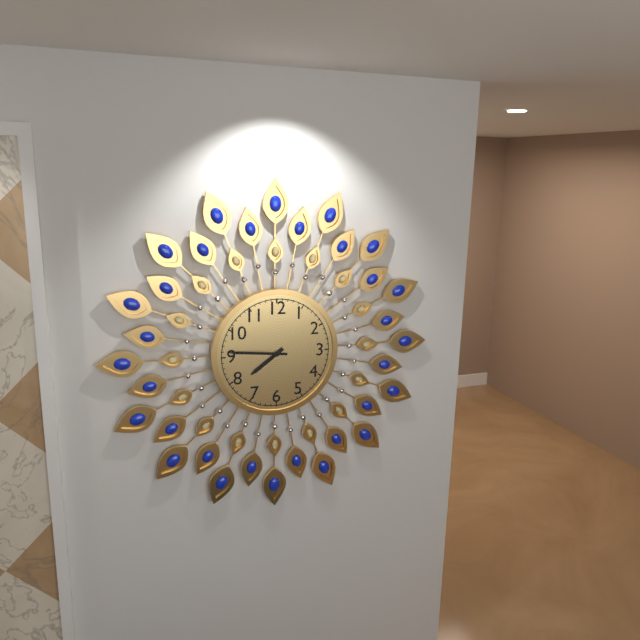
**7:46**
